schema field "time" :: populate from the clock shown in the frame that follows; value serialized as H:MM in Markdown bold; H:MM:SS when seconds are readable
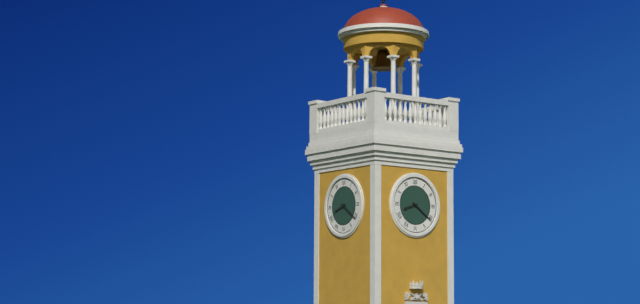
**8:21**
